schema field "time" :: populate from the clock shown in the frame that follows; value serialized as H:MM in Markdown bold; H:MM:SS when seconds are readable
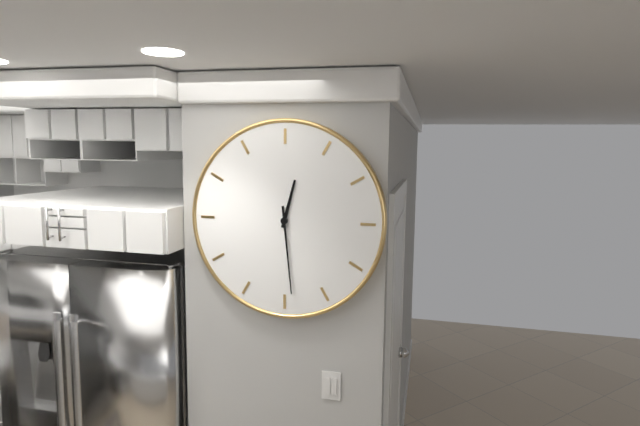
**12:29**
